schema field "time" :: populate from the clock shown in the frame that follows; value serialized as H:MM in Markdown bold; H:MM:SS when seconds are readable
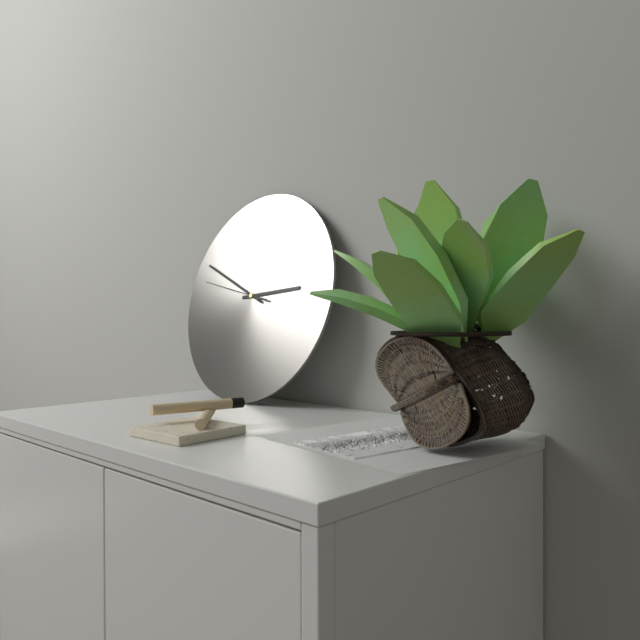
**2:49:47**
